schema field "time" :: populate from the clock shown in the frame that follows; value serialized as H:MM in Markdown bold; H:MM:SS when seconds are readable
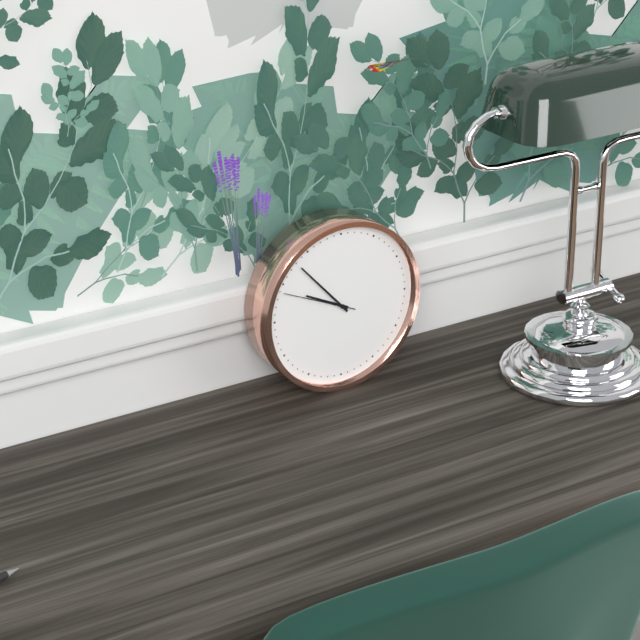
**9:53:49**
